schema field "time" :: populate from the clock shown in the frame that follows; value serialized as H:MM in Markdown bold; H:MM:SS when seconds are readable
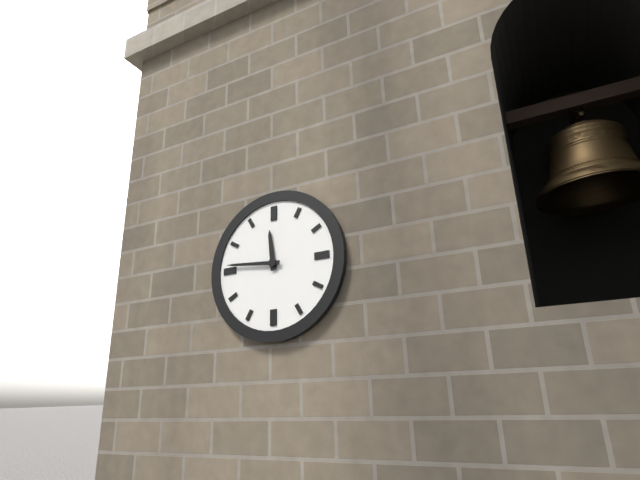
**11:46**
